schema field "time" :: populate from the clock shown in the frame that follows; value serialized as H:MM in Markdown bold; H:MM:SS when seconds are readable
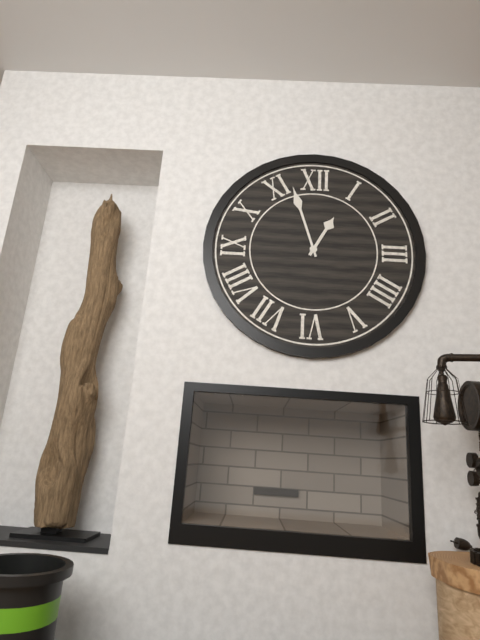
**12:57**
